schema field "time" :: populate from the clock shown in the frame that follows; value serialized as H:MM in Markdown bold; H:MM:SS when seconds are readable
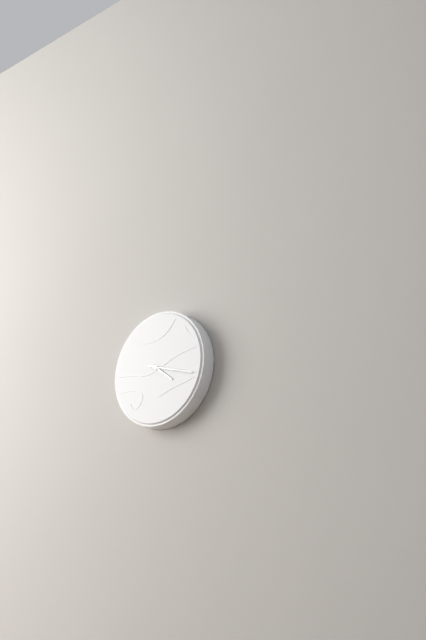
**4:18**
